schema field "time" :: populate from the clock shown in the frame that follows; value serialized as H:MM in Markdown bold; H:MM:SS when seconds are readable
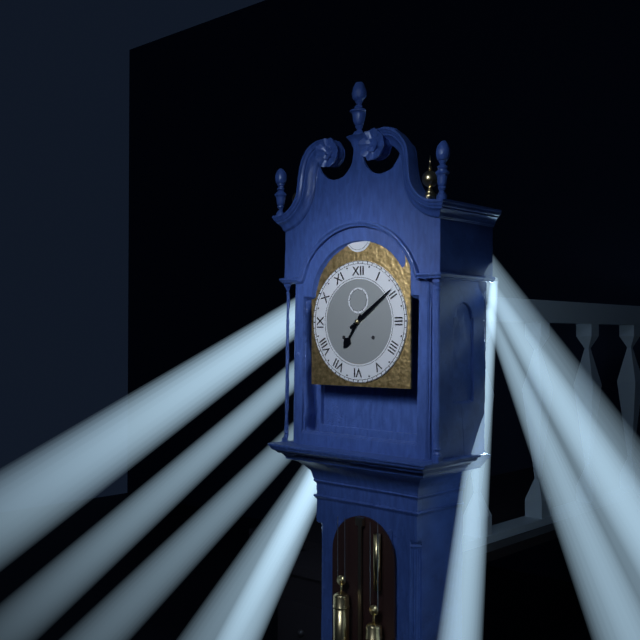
**7:09**
